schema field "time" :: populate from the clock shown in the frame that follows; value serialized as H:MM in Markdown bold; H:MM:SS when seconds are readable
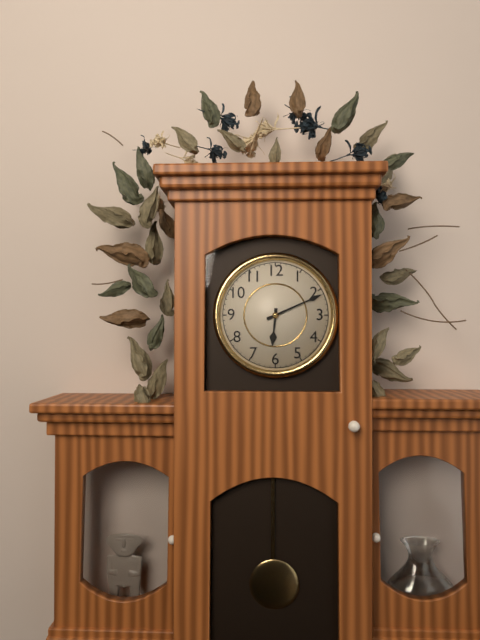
**6:11**
